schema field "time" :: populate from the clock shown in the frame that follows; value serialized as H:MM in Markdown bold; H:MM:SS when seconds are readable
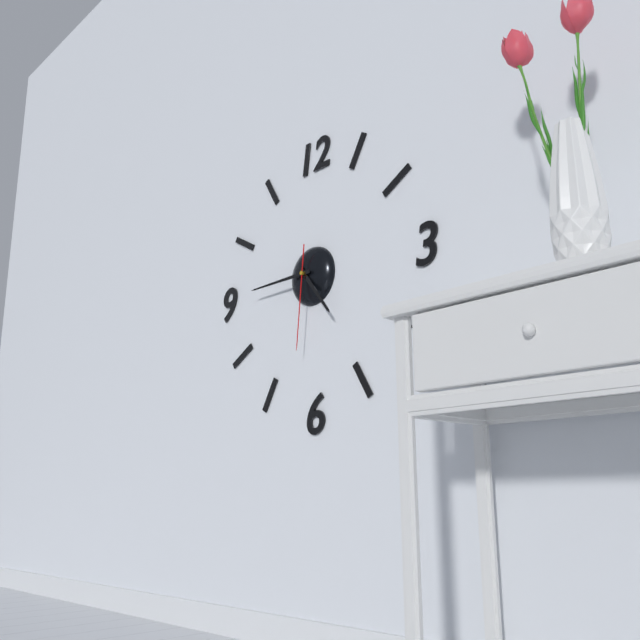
**4:45:31**
